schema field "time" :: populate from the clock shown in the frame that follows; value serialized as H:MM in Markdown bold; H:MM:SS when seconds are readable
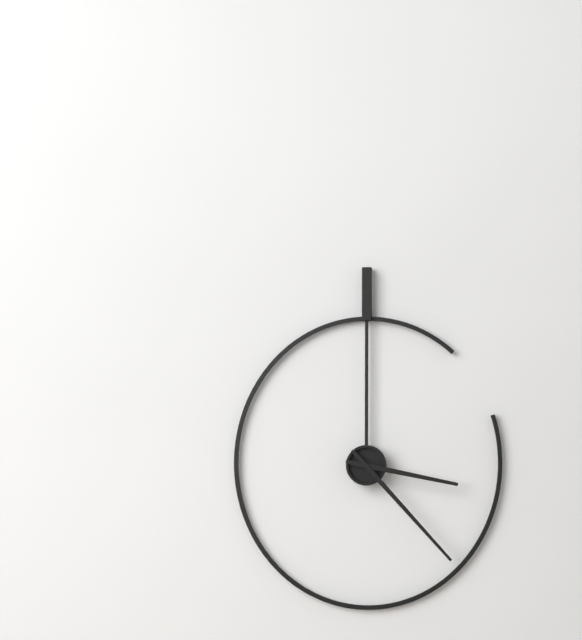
**3:23**
